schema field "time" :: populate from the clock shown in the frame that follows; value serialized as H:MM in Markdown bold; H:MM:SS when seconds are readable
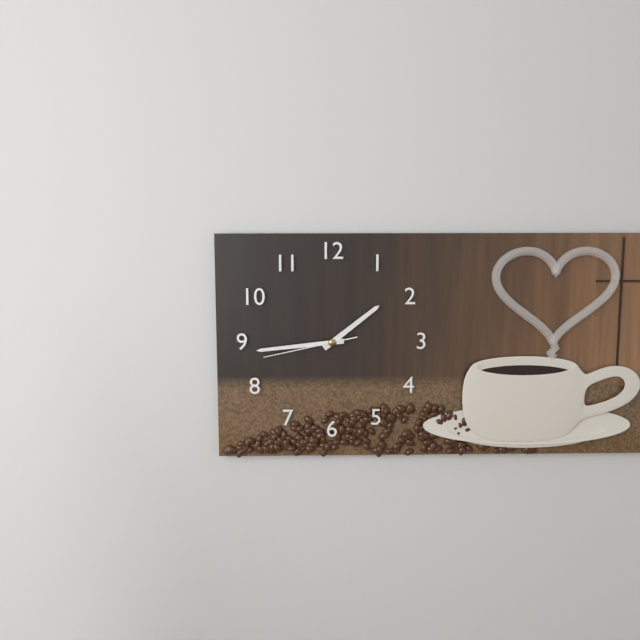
**1:44:43**
